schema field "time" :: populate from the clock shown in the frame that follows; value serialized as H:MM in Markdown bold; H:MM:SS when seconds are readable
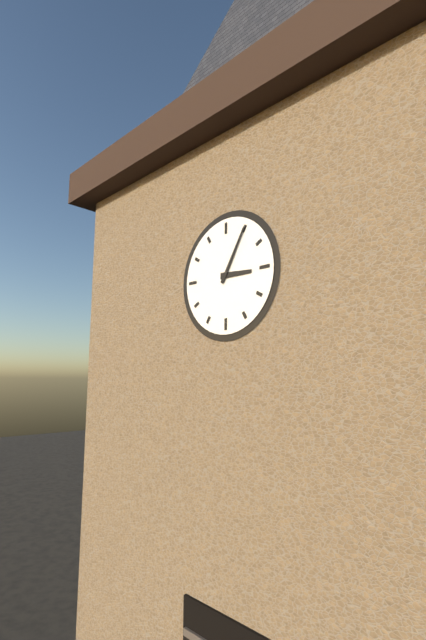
**3:05**
